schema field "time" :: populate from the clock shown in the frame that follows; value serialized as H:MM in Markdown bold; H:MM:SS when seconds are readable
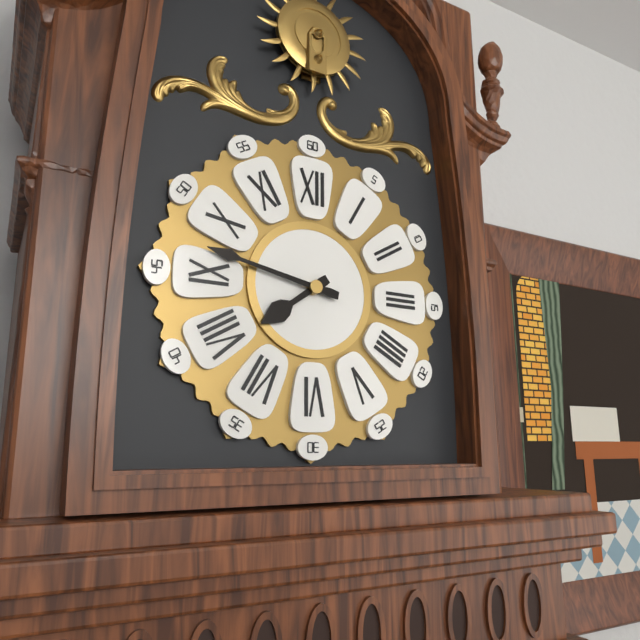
**7:47**
